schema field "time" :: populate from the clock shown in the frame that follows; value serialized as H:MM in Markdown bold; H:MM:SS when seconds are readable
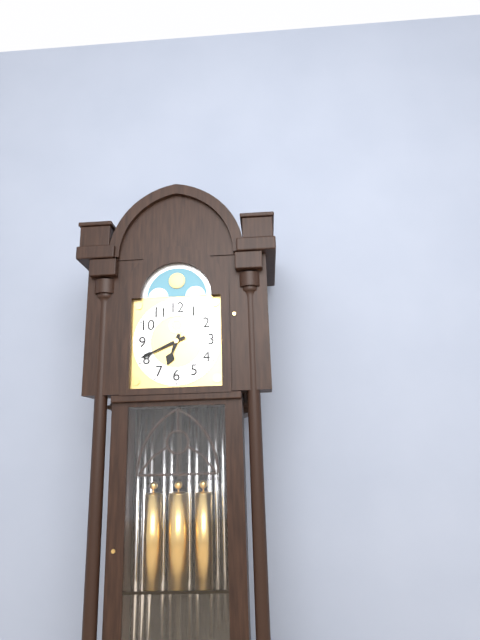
**6:41**
